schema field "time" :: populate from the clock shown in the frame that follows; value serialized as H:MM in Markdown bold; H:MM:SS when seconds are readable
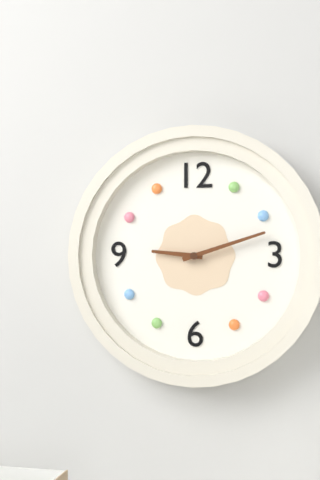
**9:12**
